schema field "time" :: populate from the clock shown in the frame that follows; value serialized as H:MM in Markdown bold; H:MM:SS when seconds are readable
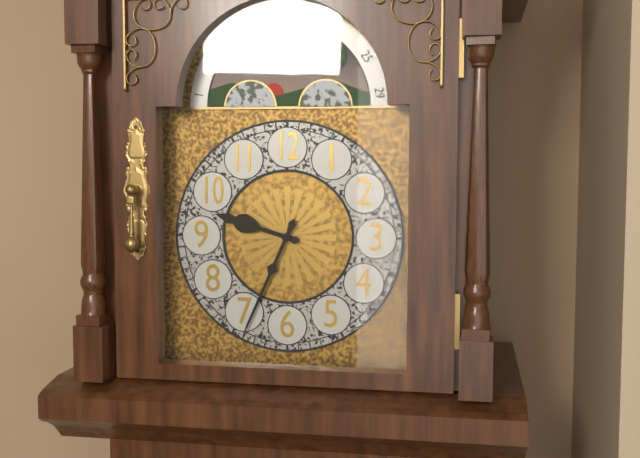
**9:34**
